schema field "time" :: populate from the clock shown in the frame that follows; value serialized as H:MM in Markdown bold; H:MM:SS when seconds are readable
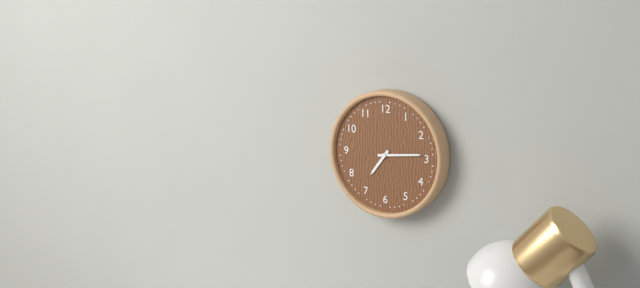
**7:14**
